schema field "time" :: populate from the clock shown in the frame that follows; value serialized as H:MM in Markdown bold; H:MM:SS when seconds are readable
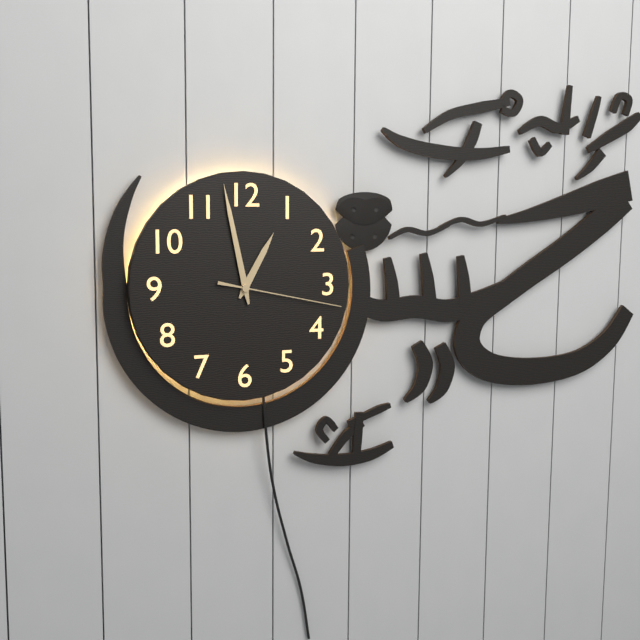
**12:58:17**
